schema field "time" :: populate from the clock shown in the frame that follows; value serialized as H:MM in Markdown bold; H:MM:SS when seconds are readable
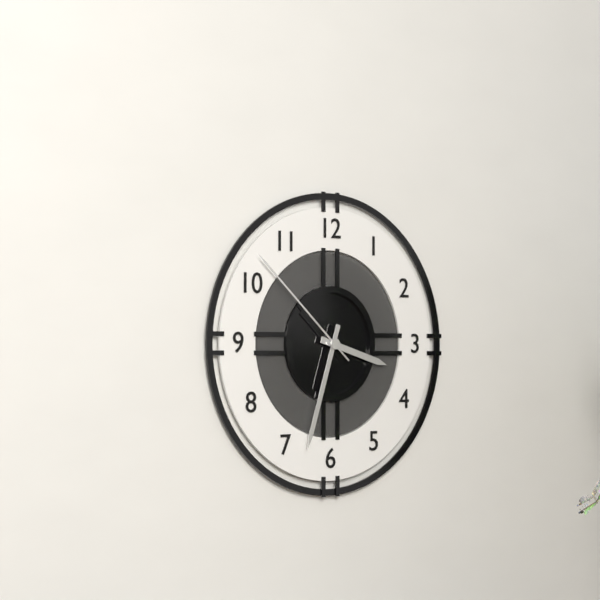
**3:33:52**
